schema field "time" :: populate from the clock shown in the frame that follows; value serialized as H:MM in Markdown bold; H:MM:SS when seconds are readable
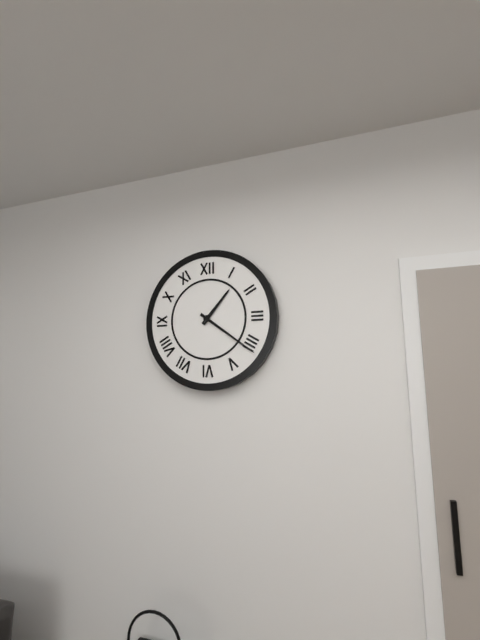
**1:21**
